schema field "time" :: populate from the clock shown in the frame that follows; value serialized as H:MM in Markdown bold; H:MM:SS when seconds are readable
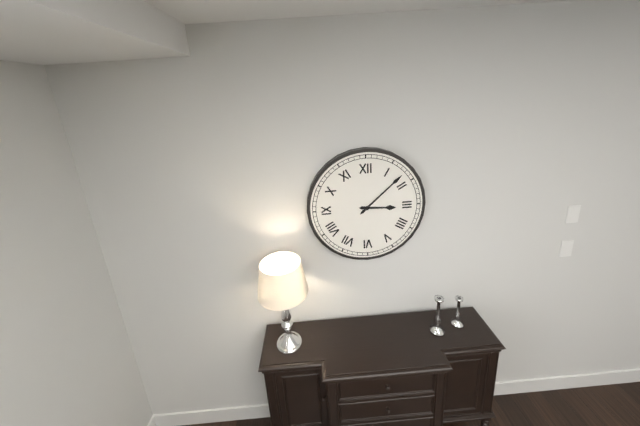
**3:08**
